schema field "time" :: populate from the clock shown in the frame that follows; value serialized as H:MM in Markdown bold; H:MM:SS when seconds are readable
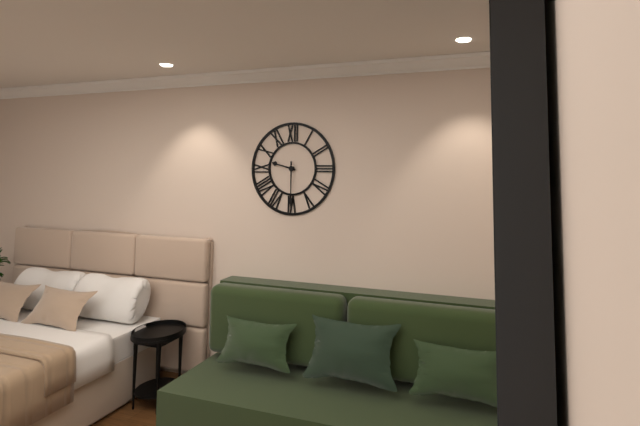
**9:30**
